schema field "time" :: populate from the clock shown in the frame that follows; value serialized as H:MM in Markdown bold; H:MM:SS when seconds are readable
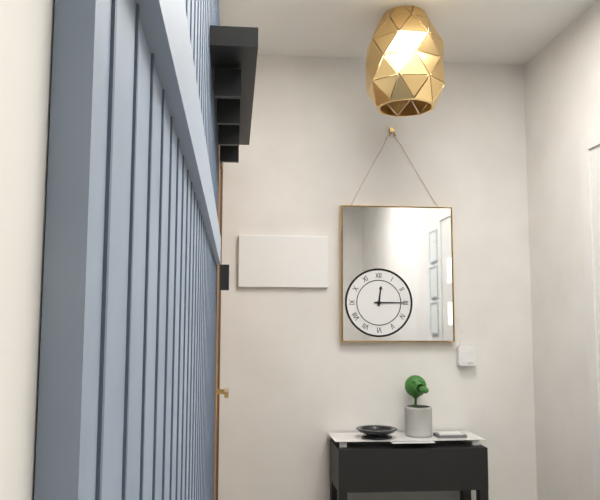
**12:15**
